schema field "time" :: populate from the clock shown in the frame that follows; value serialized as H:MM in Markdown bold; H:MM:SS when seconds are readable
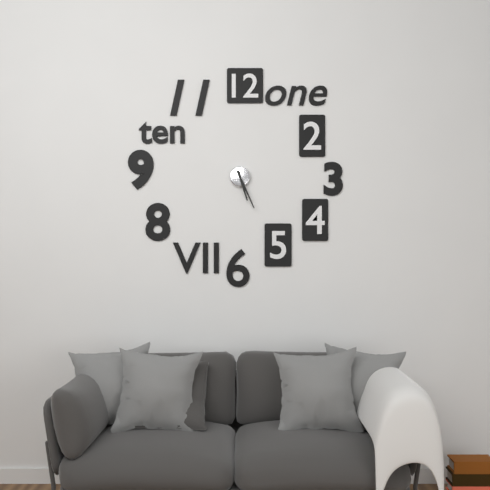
**5:26**
